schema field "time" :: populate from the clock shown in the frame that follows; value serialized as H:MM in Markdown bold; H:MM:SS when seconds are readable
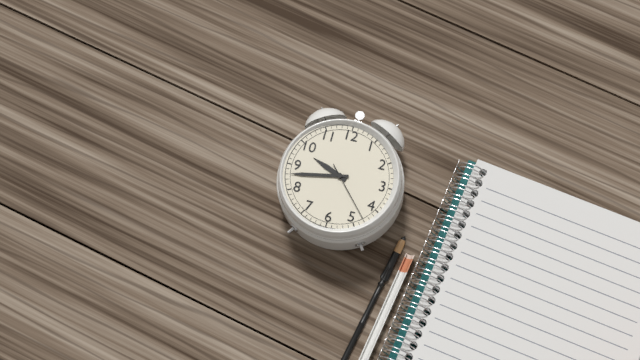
**9:43:23**
